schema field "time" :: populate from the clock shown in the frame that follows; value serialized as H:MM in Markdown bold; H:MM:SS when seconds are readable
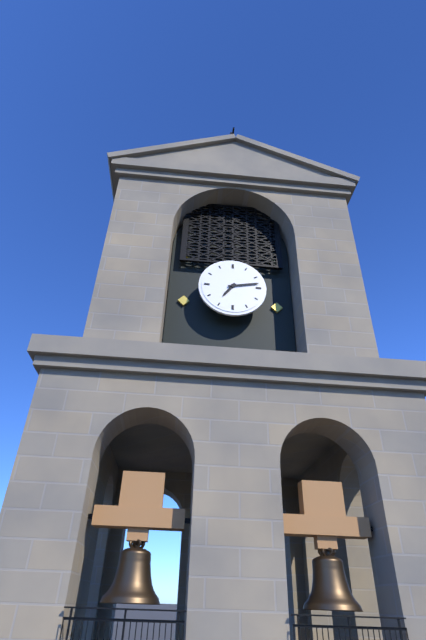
**7:13**
